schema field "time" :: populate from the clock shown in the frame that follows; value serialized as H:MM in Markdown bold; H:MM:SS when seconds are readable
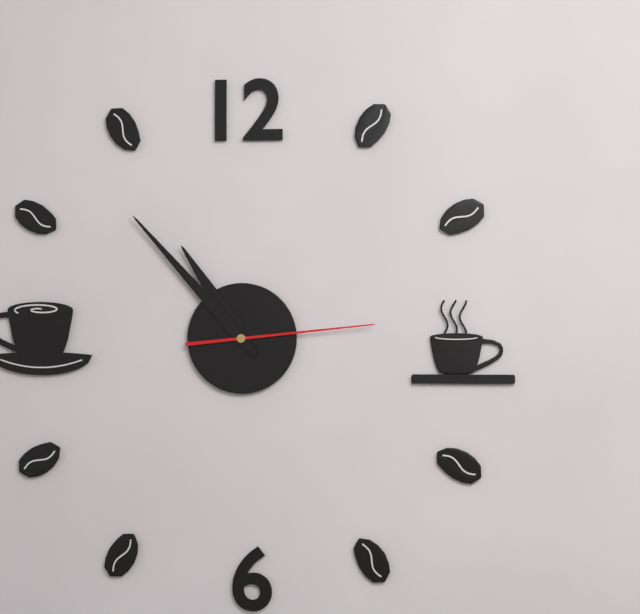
**10:53:14**
